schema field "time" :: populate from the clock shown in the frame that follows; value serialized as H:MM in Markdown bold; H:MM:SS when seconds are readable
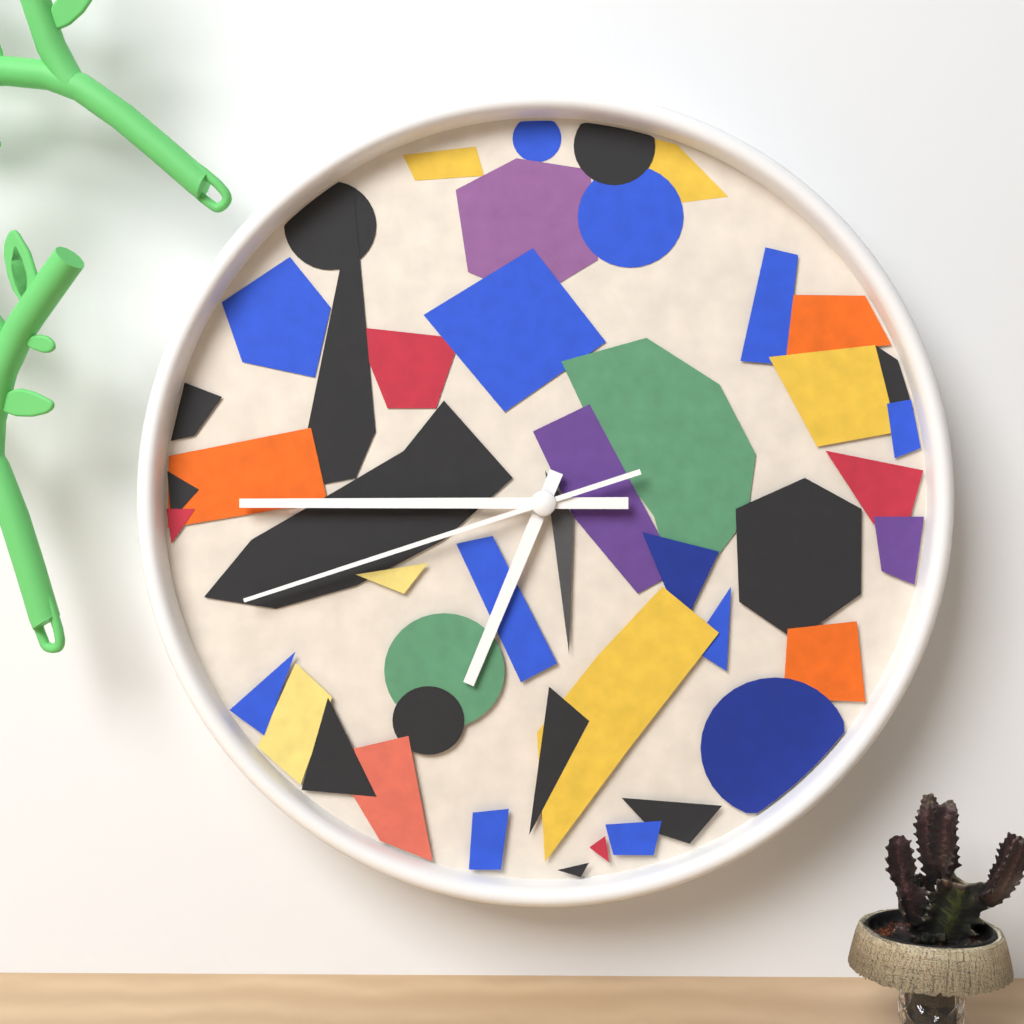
**6:45:42**
